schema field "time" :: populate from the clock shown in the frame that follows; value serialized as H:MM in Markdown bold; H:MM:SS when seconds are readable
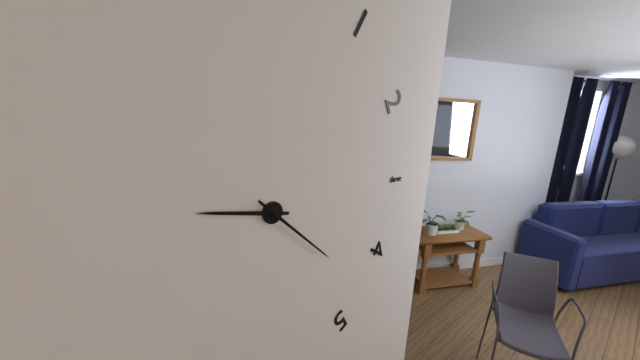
**9:22**
